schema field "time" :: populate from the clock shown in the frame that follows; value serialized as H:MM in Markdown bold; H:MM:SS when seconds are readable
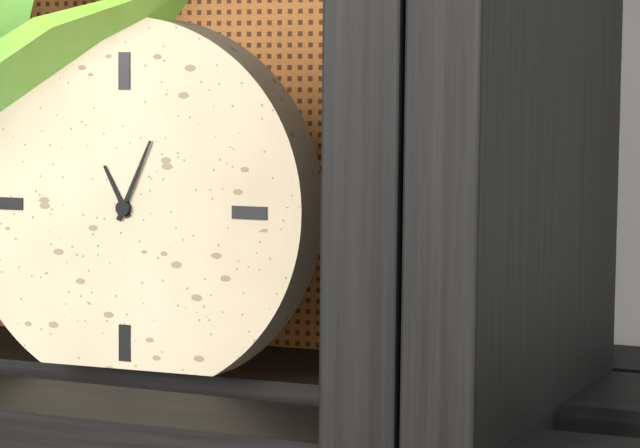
**11:04**
